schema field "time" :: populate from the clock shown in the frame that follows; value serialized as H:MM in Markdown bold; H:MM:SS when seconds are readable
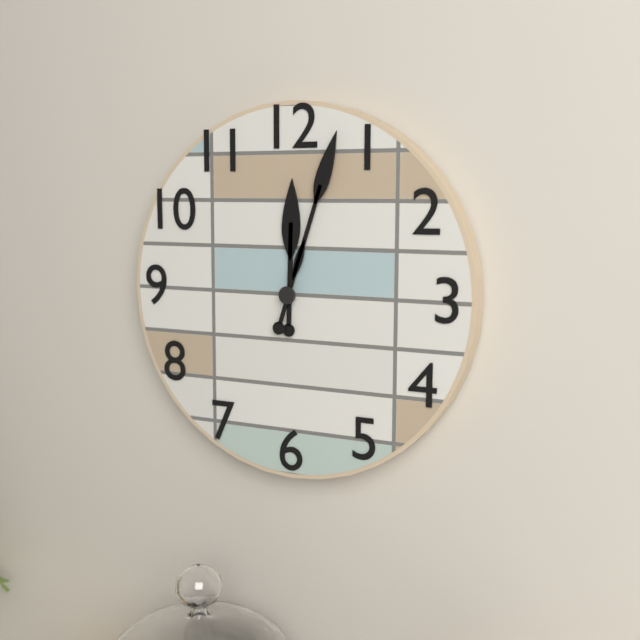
**12:03**
